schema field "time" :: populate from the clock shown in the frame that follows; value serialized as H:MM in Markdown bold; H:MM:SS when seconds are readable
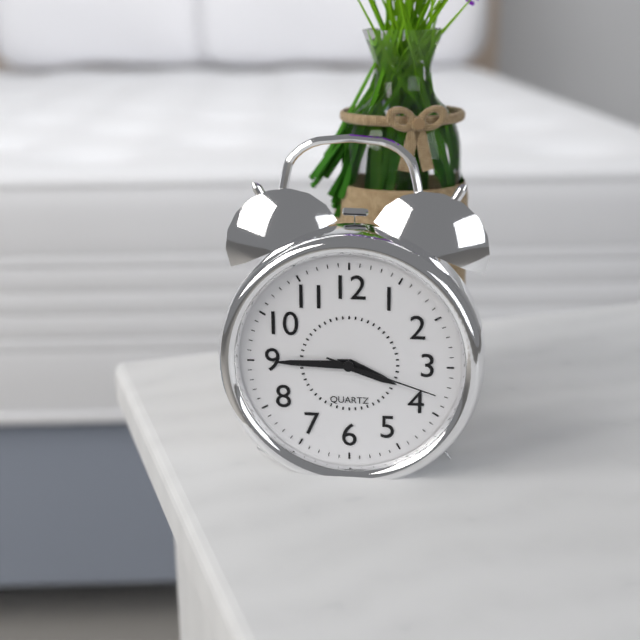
**3:45:18**
